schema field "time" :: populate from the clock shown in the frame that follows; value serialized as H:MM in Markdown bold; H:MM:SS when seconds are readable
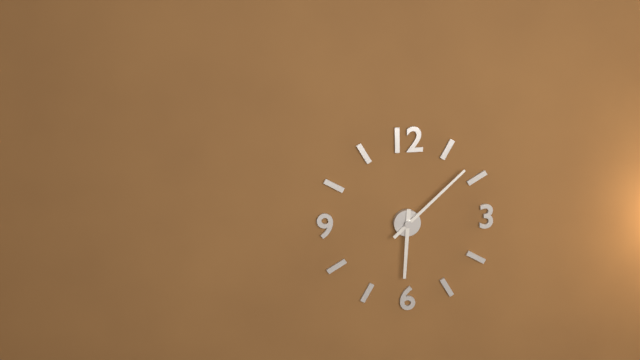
**6:08**
